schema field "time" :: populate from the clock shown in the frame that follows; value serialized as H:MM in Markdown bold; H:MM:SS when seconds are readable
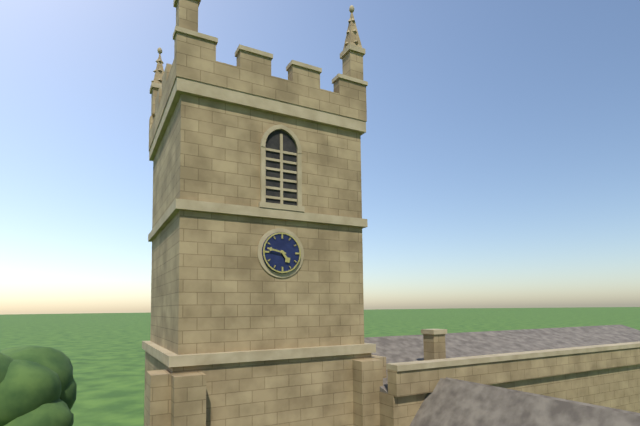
**4:47**
